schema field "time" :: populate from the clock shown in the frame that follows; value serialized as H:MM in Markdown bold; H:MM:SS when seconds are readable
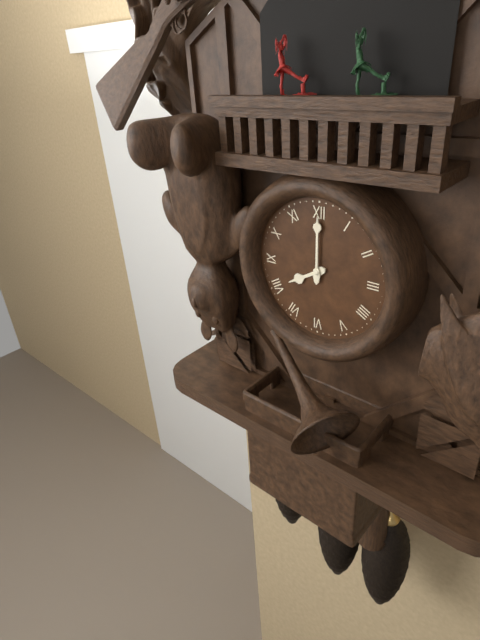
**8:00**
